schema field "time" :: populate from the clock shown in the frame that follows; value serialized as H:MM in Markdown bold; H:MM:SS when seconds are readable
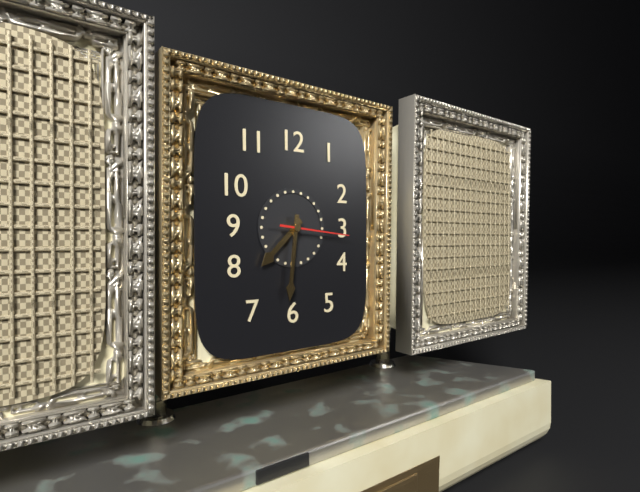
**7:31:16**
